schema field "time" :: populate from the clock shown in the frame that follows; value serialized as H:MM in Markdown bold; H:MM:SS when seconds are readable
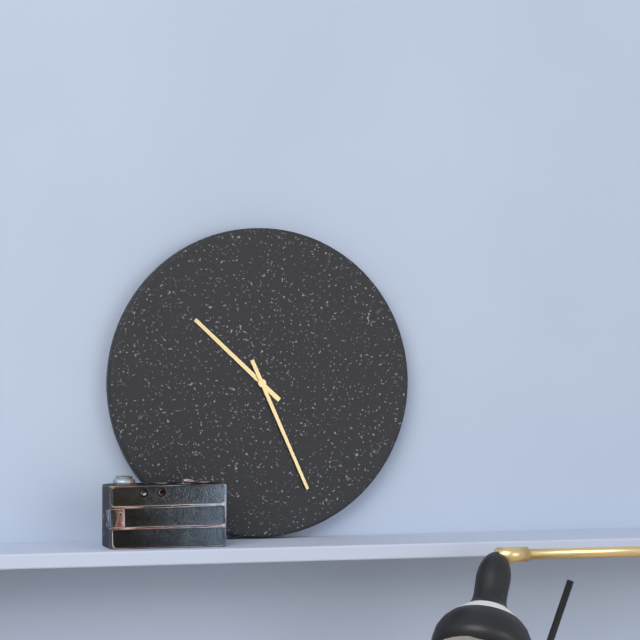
**10:26**
